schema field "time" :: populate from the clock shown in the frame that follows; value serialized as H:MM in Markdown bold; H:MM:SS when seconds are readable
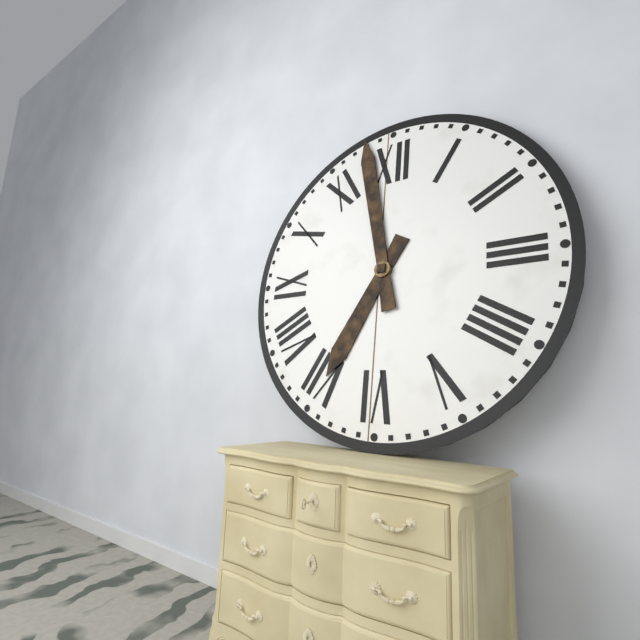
**6:58**
